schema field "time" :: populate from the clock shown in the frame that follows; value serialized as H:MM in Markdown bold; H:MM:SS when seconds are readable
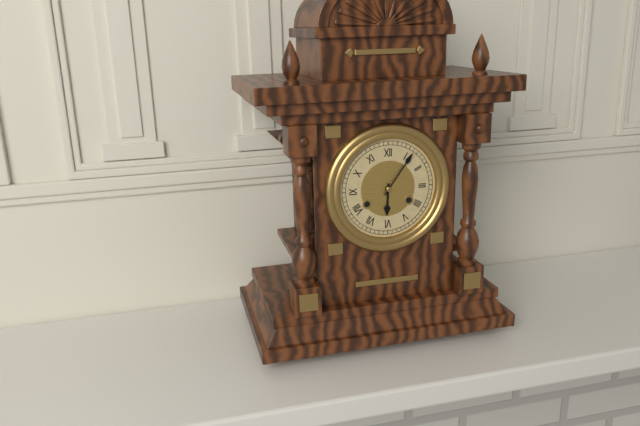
**6:06**
